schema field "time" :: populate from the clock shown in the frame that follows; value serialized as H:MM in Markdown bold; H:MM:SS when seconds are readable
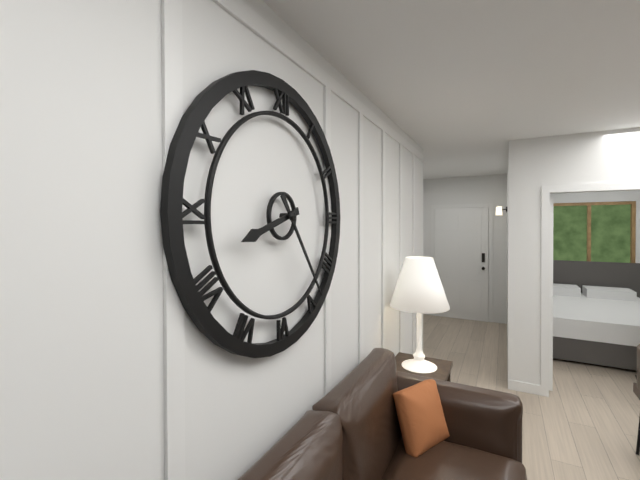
**8:24**
